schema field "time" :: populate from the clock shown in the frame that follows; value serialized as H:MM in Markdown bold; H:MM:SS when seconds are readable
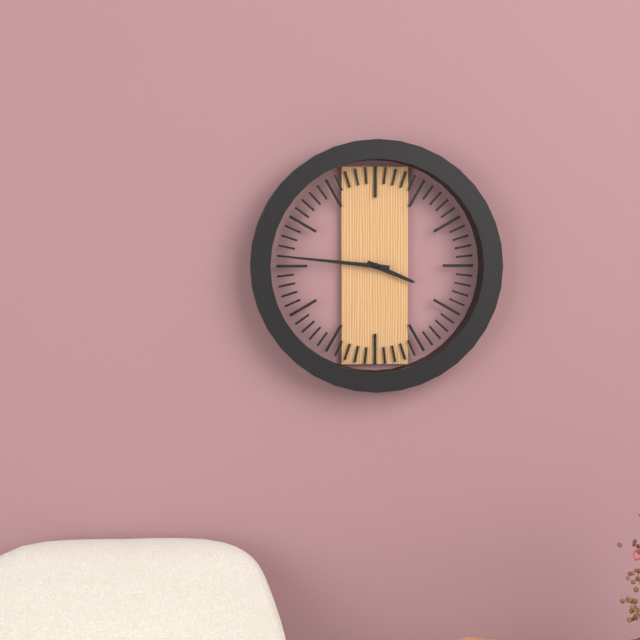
**3:46**
